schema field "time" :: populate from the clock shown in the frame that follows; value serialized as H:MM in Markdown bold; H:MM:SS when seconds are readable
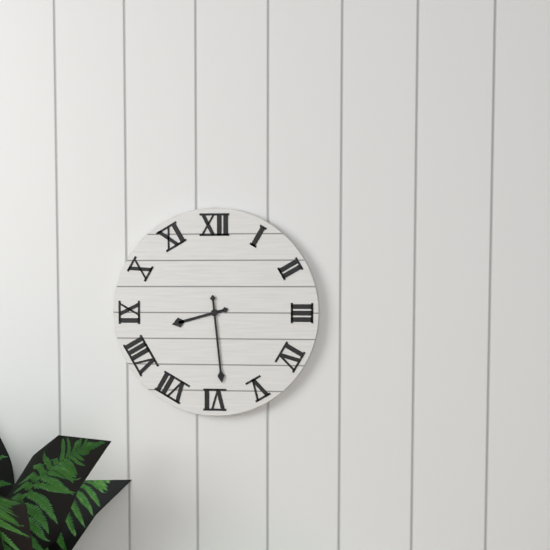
**8:29**
